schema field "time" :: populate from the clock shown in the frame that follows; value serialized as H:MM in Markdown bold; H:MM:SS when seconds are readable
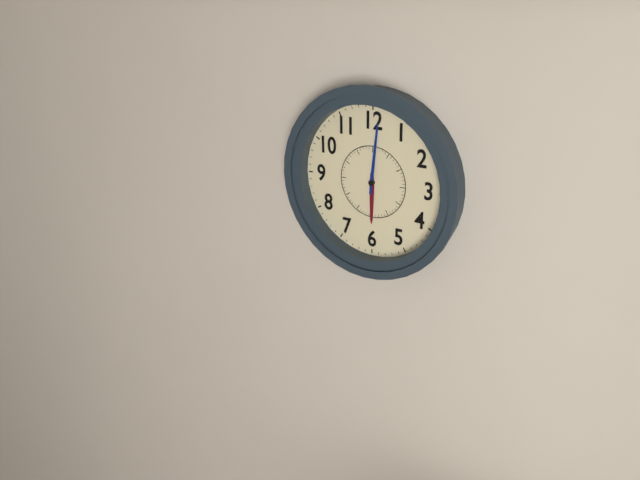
**6:01**
